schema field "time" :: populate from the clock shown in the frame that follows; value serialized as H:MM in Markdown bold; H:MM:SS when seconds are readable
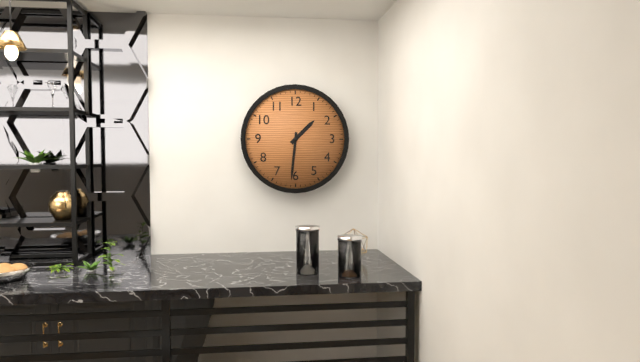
**1:31**
